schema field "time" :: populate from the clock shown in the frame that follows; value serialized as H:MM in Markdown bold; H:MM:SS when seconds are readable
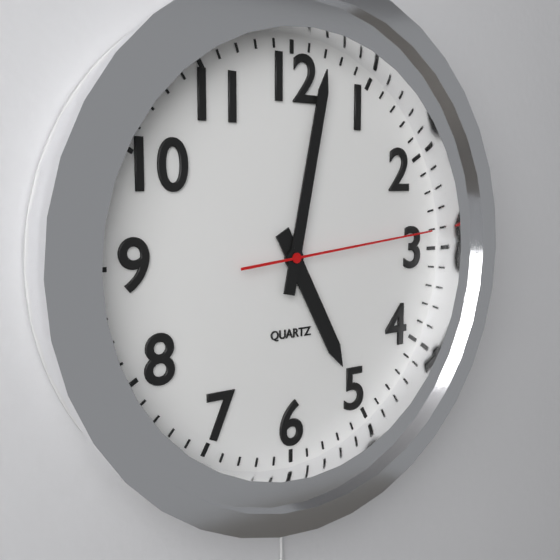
**5:02:14**
